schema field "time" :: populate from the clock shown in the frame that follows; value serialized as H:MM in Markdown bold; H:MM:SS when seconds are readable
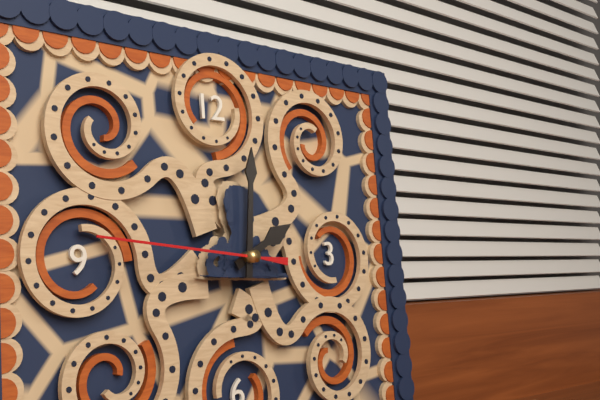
**2:01:46**
